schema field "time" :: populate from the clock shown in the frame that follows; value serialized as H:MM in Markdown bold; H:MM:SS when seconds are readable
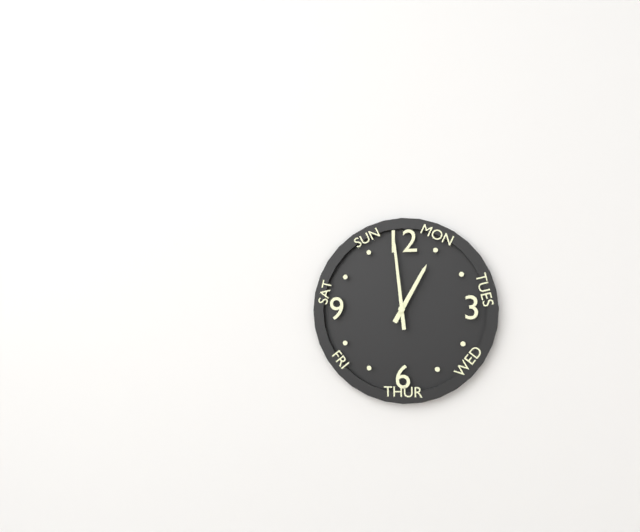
**12:59**
